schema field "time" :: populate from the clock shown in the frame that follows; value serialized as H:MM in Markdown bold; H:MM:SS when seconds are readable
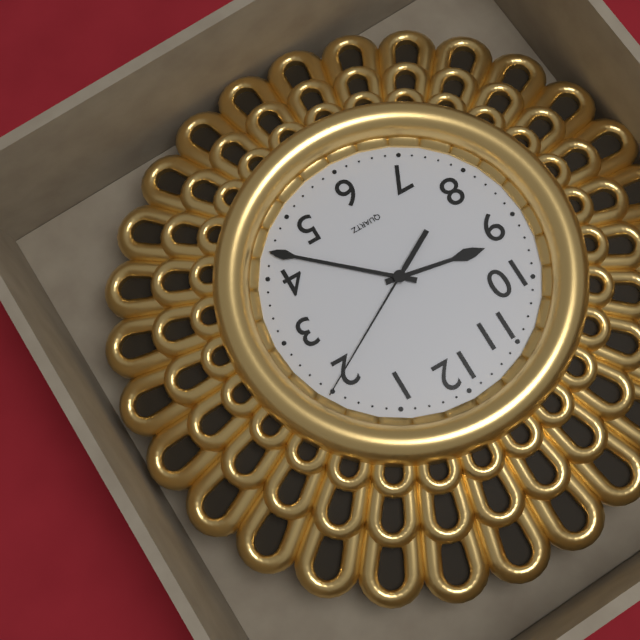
**9:22:10**
